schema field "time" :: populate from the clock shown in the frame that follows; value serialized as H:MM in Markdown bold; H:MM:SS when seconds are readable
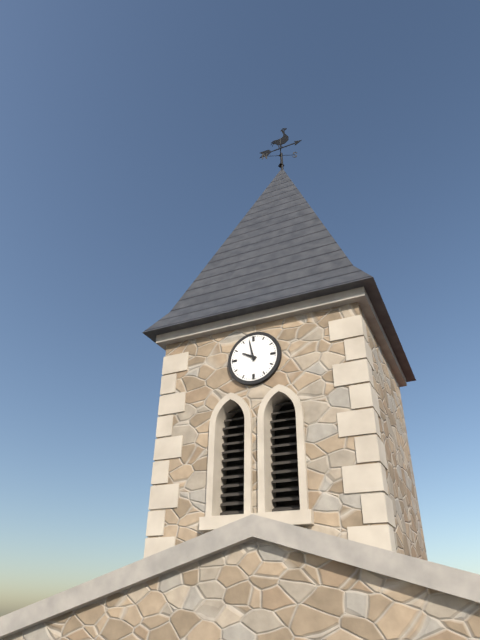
**9:58**
